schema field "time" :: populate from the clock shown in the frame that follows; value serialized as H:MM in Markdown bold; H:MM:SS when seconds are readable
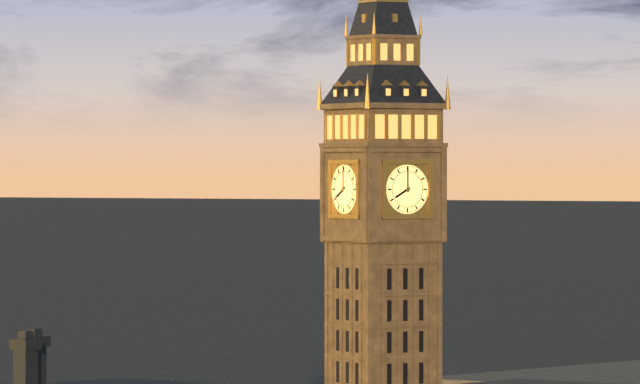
**8:00**
